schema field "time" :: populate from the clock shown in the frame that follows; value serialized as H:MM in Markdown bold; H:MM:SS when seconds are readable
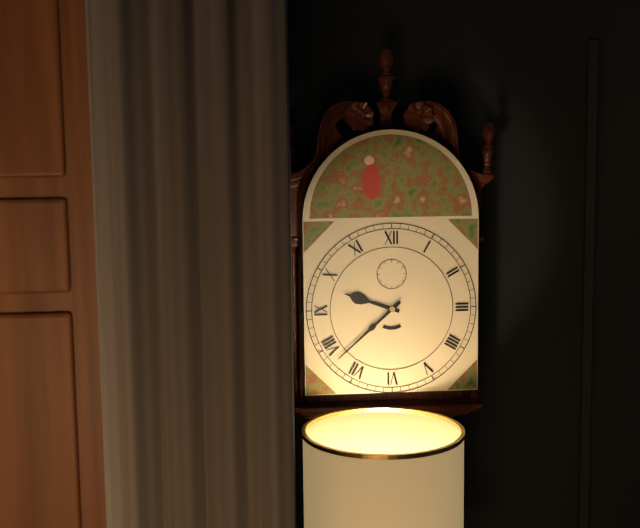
**9:38**
